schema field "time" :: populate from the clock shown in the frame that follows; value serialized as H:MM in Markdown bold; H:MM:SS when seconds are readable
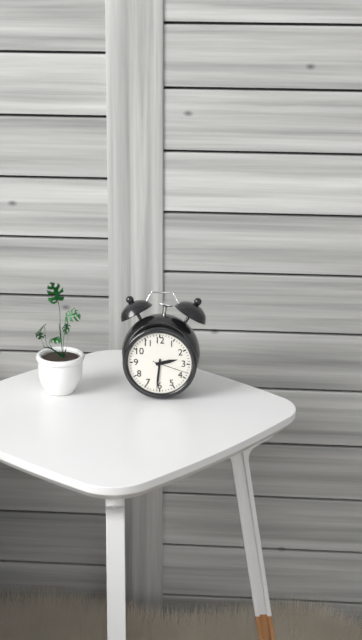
**2:31**
